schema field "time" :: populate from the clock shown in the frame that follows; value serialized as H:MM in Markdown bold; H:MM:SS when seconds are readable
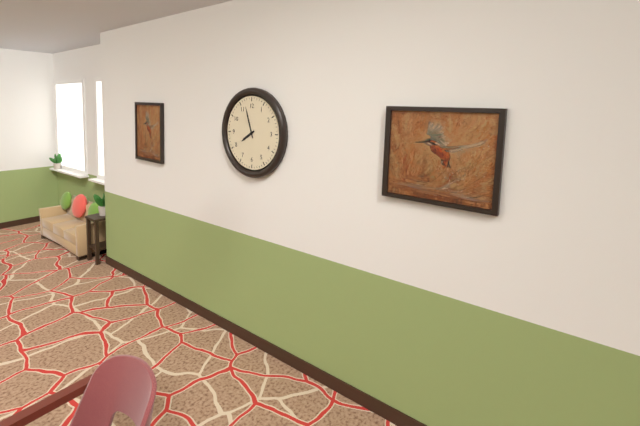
**7:57**
